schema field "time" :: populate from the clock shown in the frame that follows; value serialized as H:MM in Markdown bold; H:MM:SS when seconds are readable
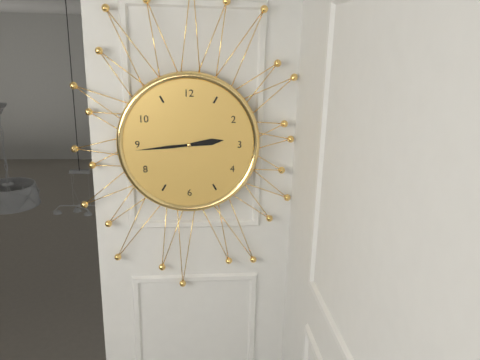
**2:44**
